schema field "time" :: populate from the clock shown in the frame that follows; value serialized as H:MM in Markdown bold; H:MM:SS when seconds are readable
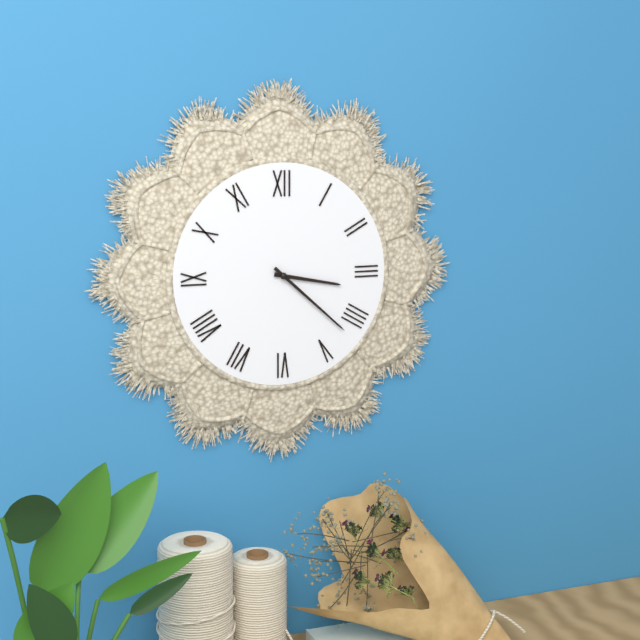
**3:22**
